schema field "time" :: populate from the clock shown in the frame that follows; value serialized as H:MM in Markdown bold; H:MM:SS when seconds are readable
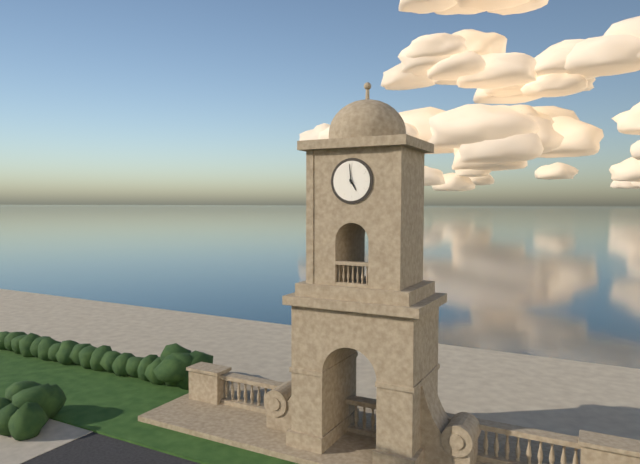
**4:59**
